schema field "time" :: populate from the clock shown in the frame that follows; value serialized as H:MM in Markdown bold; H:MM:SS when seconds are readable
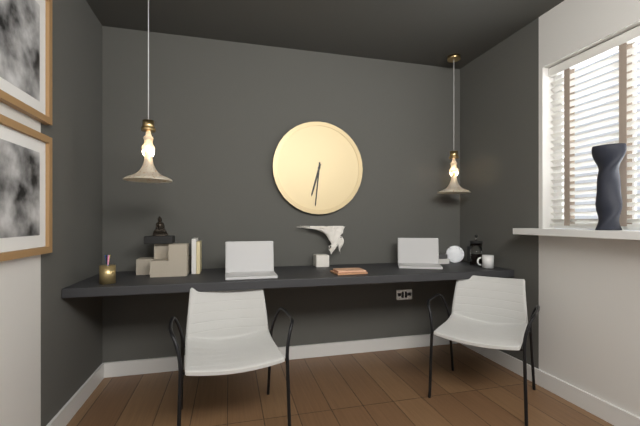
**6:31**
